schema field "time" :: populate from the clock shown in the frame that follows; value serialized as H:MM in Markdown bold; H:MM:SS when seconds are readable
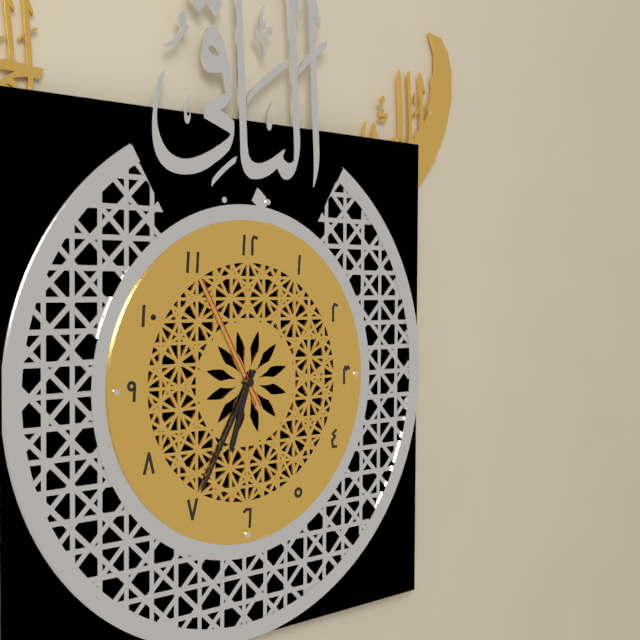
**6:35:55**
